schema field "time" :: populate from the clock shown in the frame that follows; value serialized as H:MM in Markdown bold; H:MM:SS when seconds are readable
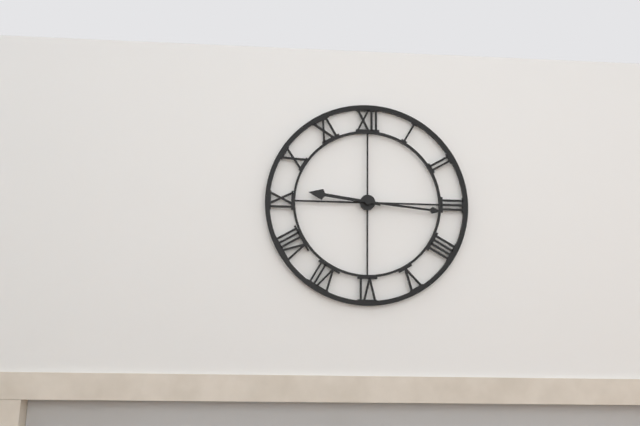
**9:16**
